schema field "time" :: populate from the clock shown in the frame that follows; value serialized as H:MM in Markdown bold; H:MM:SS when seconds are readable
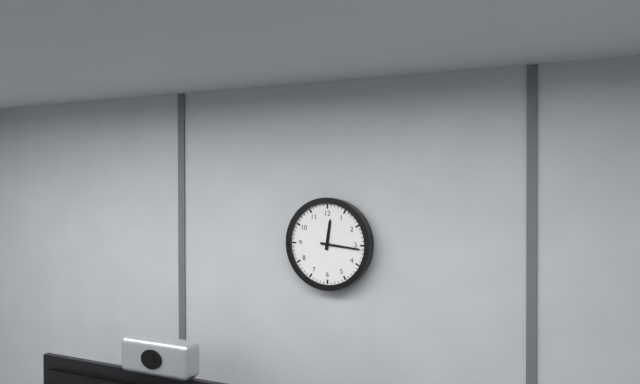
**12:16**
